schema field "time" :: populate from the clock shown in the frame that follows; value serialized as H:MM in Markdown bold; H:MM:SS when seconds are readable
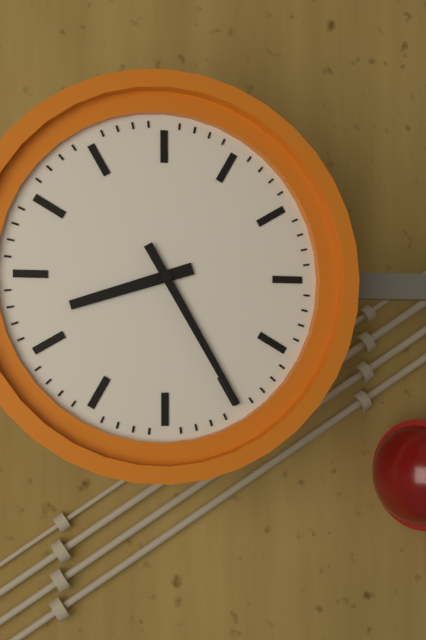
**8:25**
